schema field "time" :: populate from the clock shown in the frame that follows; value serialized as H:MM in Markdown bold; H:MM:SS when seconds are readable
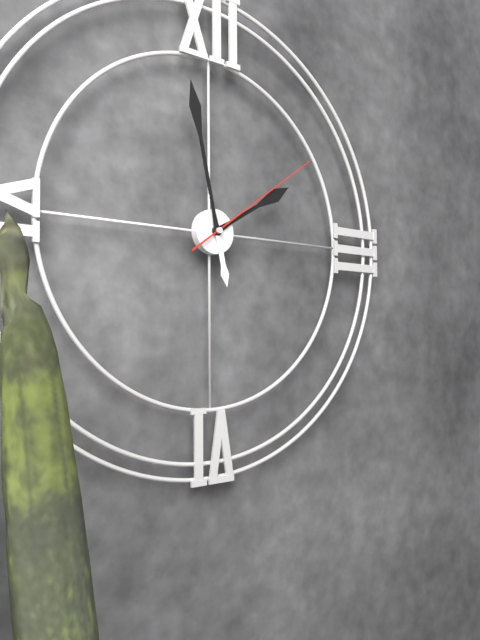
**1:58:09**
